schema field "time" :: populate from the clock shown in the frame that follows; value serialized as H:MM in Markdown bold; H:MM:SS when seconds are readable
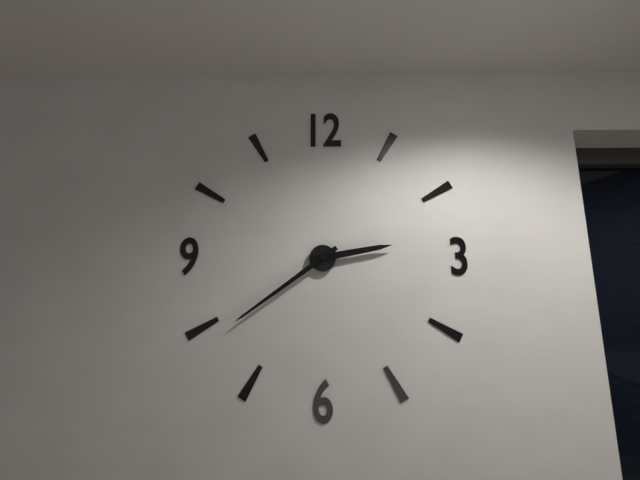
**2:39**
